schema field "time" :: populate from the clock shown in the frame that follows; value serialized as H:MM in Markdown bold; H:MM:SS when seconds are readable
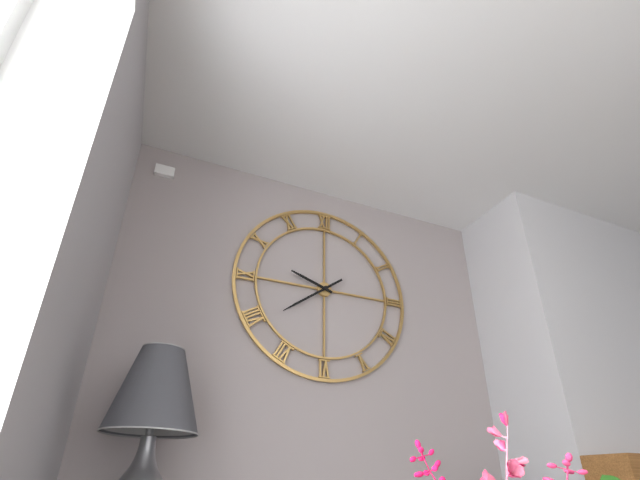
**9:39**
